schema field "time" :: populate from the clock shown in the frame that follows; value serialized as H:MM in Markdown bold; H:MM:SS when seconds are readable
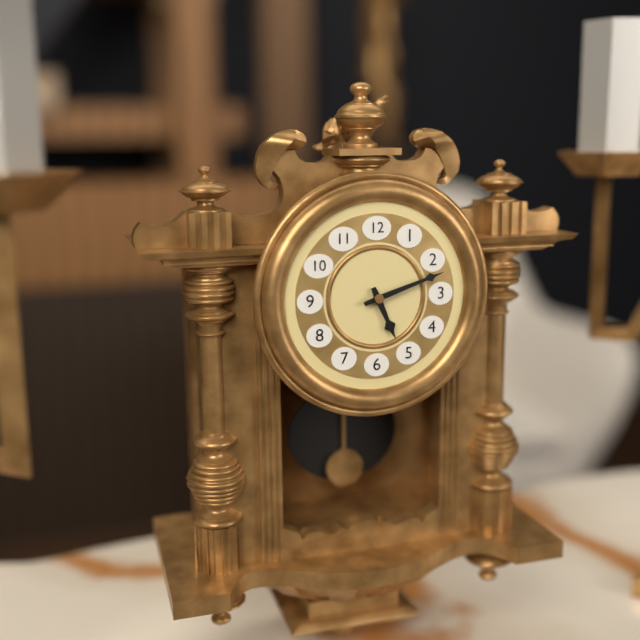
**5:12**
